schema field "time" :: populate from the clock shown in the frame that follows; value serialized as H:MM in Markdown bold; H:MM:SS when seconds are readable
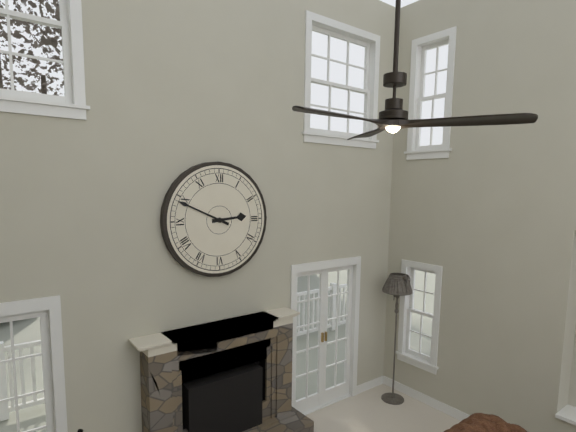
**2:49**
